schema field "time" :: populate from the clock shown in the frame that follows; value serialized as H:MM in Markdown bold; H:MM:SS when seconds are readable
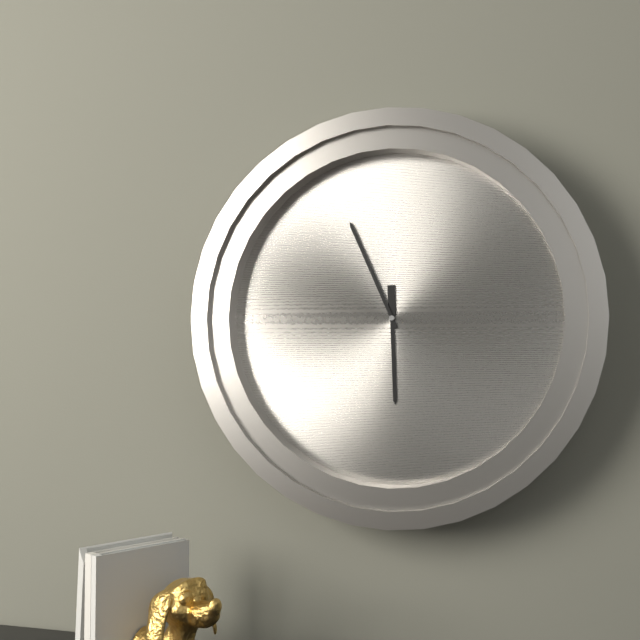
**5:56**
